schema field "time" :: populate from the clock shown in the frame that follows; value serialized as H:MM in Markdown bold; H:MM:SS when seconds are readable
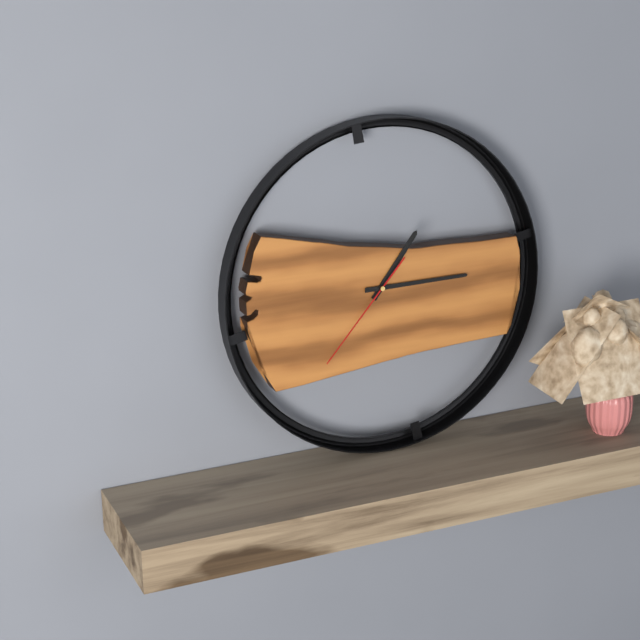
**1:15:37**
